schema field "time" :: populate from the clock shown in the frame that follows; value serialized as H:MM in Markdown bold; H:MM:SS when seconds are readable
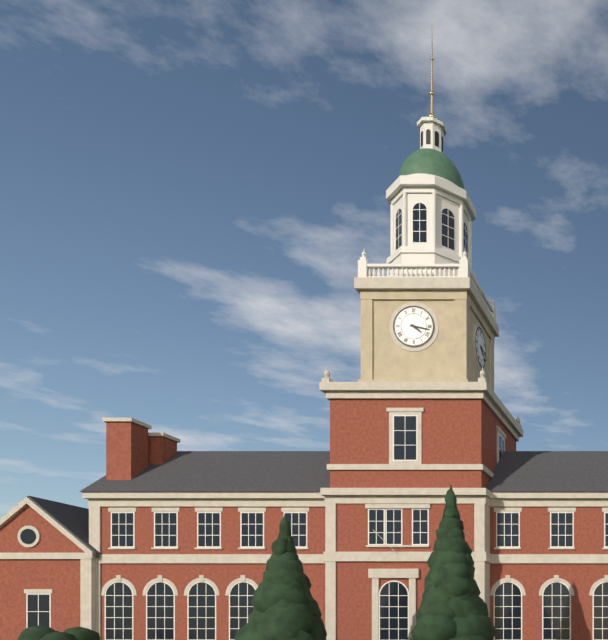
**4:17**
